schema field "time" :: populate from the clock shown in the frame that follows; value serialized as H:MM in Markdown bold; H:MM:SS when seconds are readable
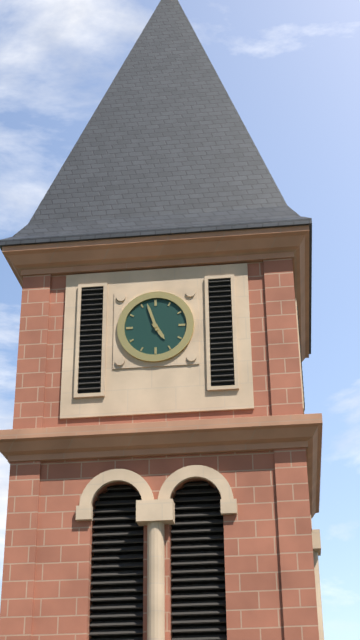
**4:57**
